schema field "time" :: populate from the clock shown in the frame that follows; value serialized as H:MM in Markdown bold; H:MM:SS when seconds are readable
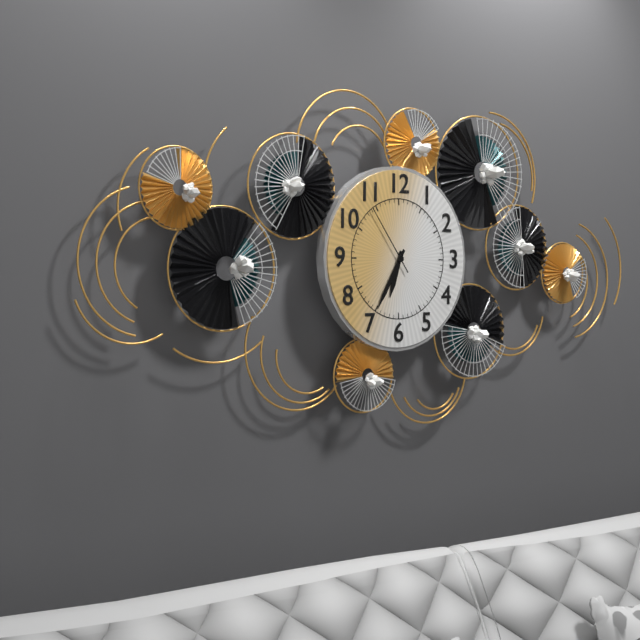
**6:35:54**
